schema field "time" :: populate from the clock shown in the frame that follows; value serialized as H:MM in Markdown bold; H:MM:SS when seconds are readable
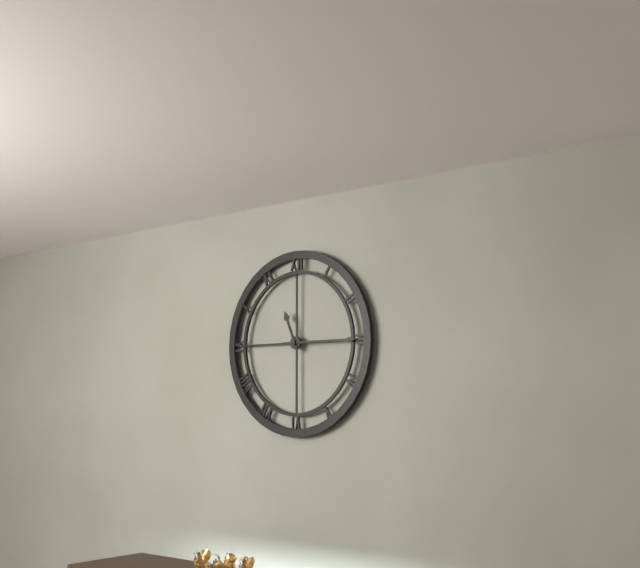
**11:15**
